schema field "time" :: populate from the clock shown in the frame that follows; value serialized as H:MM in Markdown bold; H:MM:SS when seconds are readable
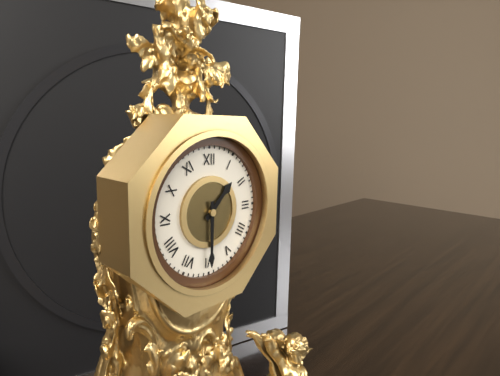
**1:30**
